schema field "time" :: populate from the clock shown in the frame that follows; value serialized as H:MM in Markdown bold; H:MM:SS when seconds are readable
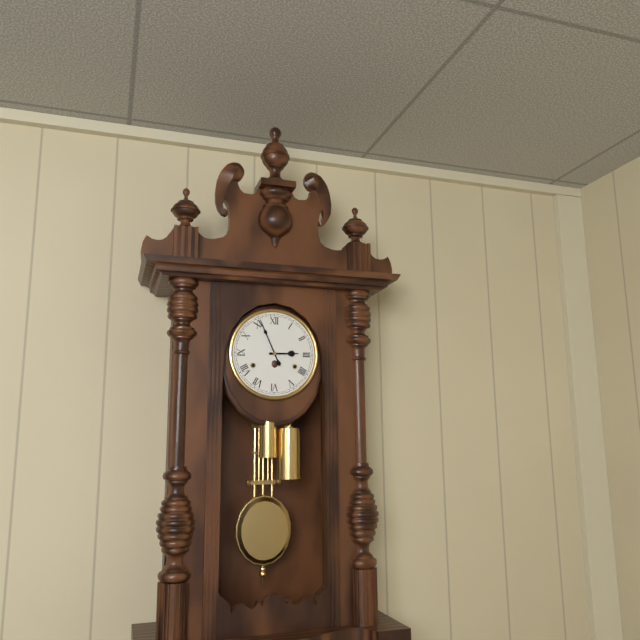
**2:56**
